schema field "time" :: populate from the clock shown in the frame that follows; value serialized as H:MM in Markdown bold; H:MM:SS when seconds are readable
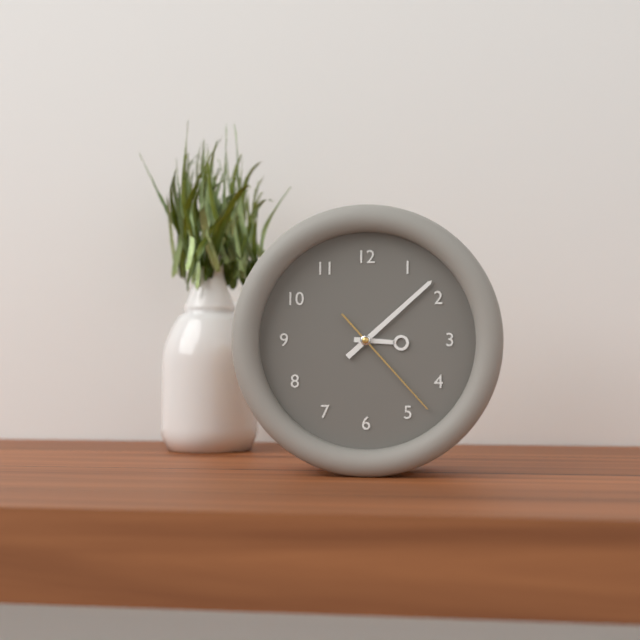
**3:08:23**
